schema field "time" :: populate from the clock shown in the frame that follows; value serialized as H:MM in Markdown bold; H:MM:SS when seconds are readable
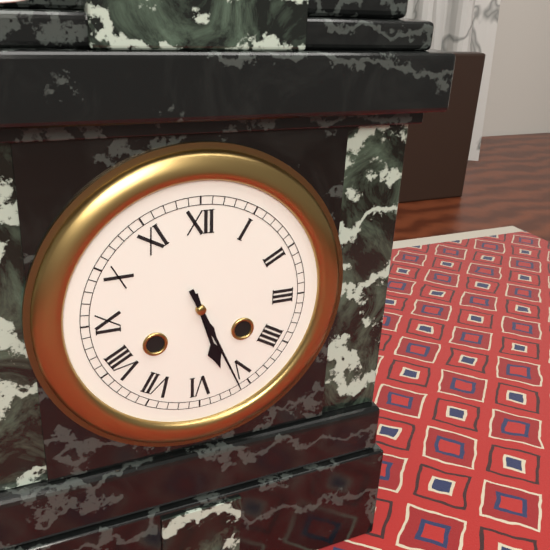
**5:26**
